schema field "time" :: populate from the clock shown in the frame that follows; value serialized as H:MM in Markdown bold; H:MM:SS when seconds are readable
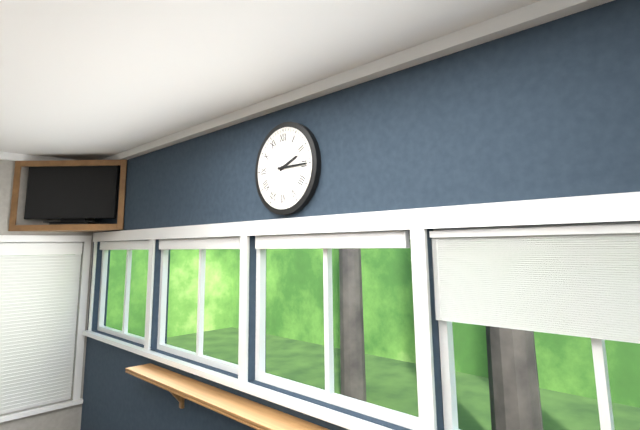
**2:15**
